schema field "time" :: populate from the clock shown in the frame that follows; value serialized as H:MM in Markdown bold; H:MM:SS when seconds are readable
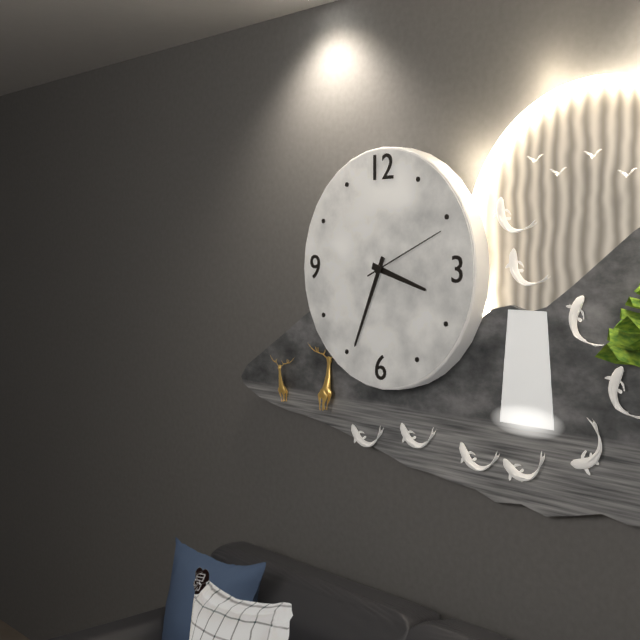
**3:34:11**
